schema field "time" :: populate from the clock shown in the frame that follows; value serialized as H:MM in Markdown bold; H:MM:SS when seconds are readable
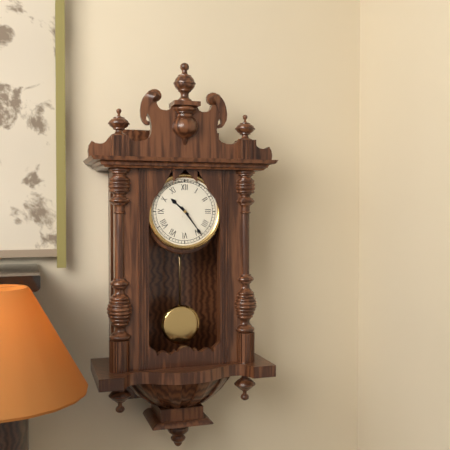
**10:24**
